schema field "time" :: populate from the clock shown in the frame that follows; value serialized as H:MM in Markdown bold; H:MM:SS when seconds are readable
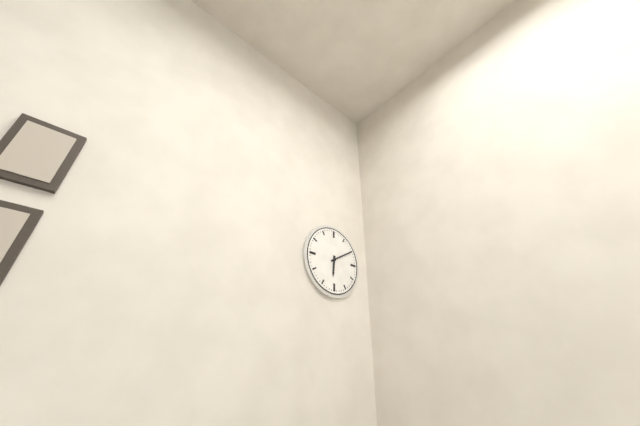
**6:10**
